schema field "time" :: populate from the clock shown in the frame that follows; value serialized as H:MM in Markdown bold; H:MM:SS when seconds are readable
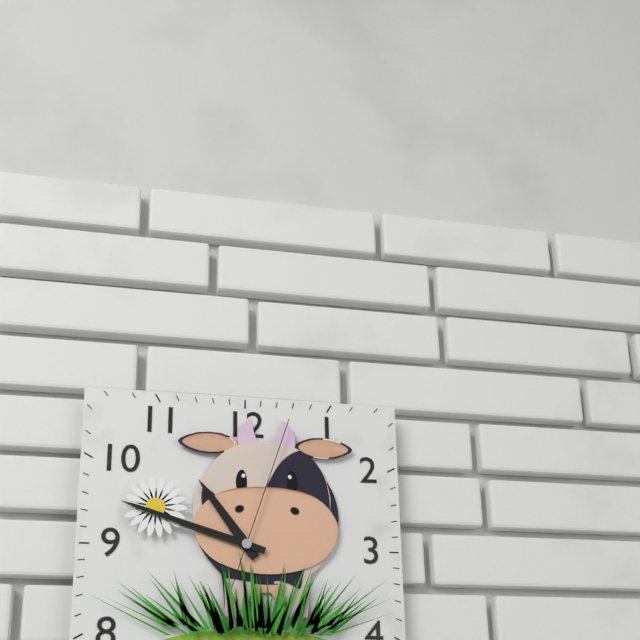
**10:48:03**
